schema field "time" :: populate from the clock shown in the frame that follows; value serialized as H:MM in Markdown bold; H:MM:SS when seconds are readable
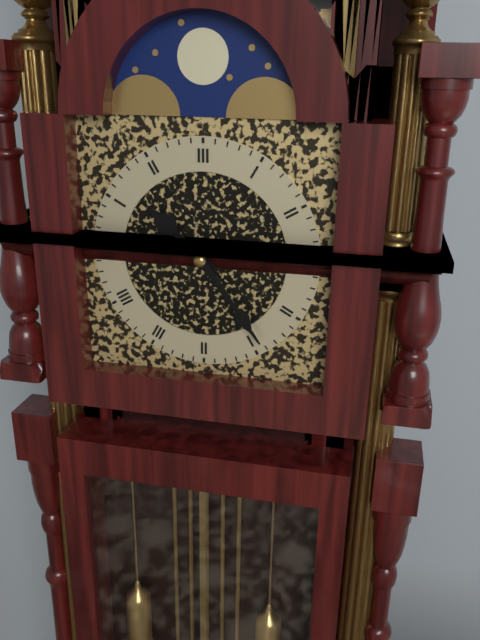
**10:24**
